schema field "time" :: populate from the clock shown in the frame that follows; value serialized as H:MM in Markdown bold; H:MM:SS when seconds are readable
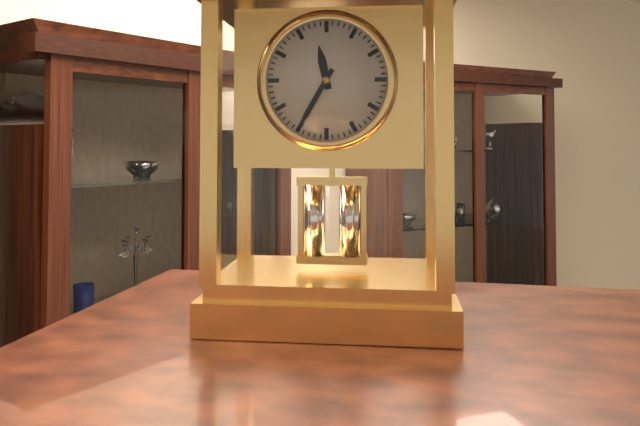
**11:35**
